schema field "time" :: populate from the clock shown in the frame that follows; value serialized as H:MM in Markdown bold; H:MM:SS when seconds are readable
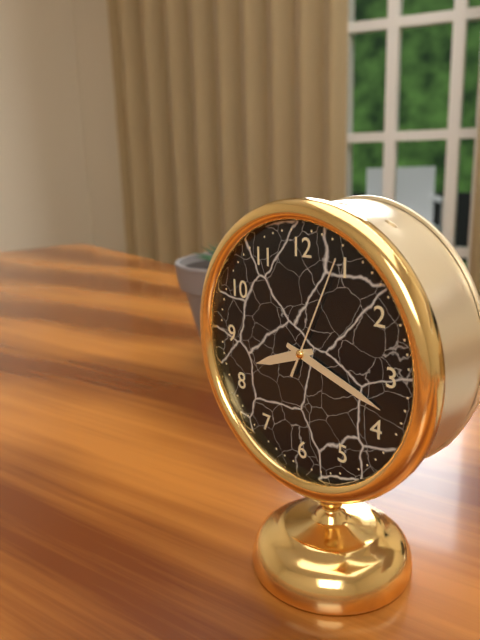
**8:18:04**
